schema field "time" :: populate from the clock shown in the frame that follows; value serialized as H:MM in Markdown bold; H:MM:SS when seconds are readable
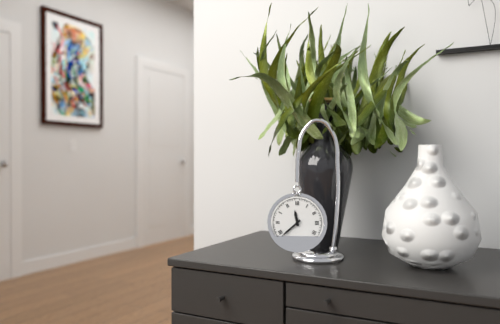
**11:38**
